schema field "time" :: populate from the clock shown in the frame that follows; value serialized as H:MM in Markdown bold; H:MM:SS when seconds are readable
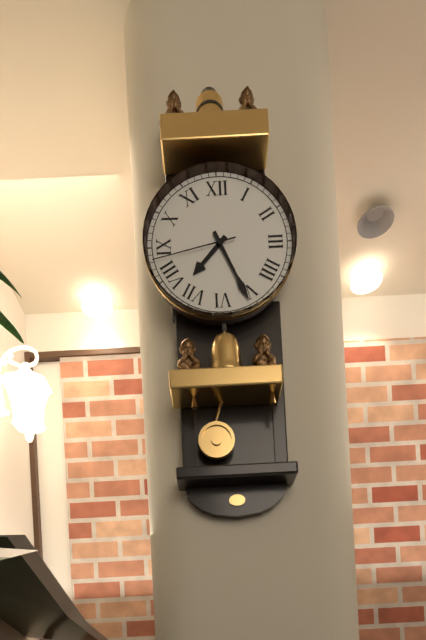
**7:26:43**
